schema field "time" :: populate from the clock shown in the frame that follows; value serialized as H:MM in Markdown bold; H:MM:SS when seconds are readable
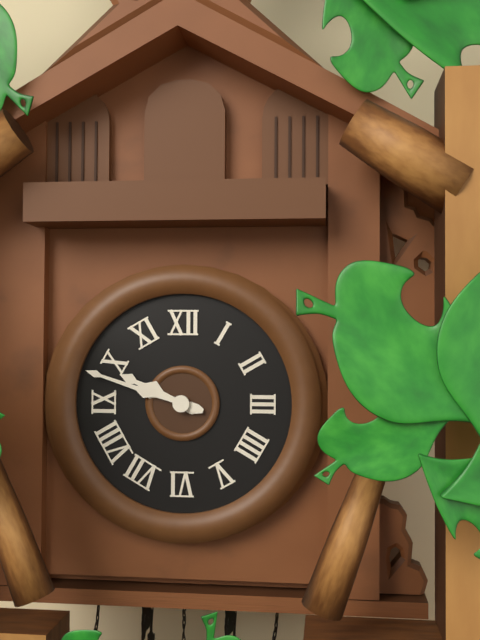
**9:48**
